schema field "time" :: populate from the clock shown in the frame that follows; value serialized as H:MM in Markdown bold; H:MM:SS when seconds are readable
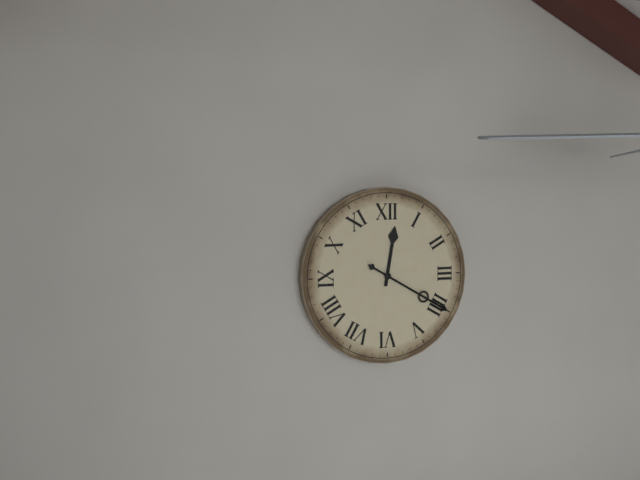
**12:20**
